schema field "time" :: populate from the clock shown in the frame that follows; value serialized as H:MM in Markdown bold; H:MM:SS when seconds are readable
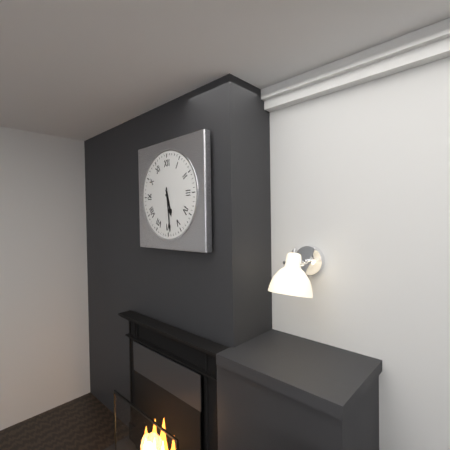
**5:29**
